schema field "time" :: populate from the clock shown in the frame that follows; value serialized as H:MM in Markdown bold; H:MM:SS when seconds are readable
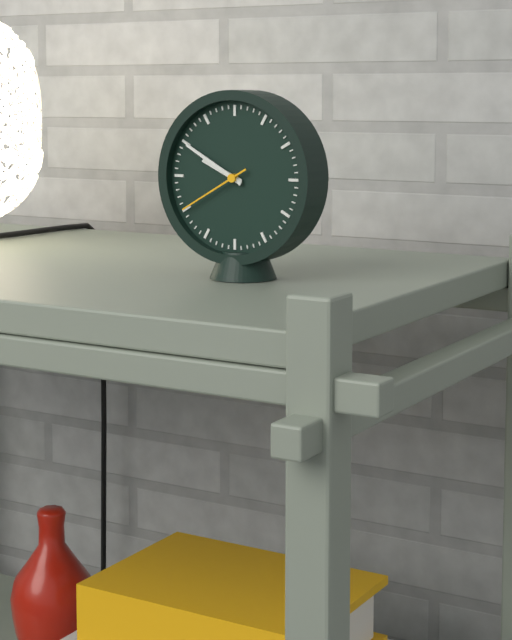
**9:50:40**
